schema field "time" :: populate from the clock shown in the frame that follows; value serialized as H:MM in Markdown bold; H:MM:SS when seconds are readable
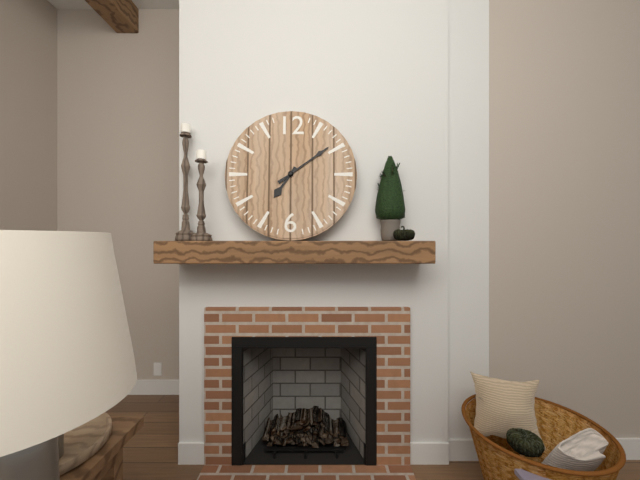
**7:09**
